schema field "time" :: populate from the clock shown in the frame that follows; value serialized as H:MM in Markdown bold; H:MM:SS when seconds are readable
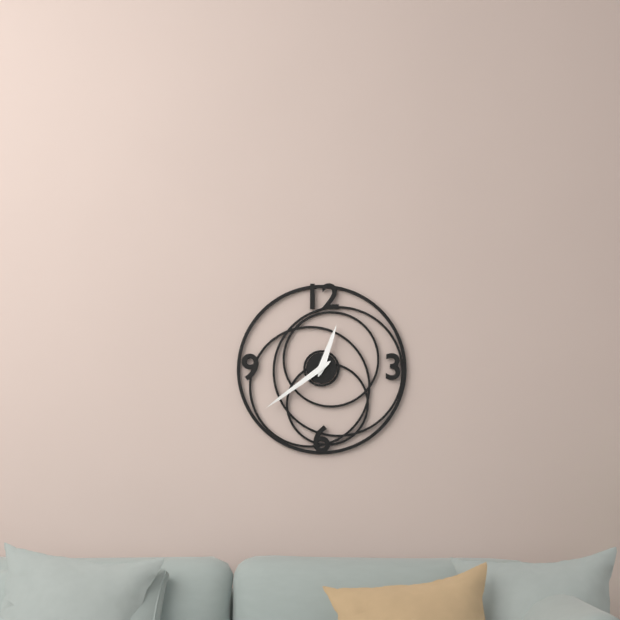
**12:39**
